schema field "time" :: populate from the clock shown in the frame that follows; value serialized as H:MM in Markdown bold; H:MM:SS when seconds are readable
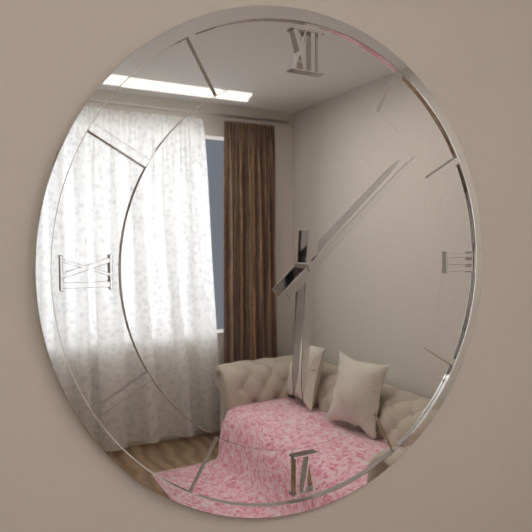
**6:08**
